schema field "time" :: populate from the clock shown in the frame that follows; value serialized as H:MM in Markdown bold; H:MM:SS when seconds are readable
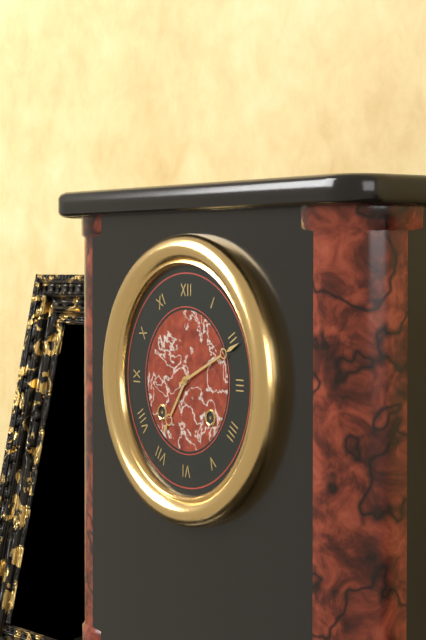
**7:11**
